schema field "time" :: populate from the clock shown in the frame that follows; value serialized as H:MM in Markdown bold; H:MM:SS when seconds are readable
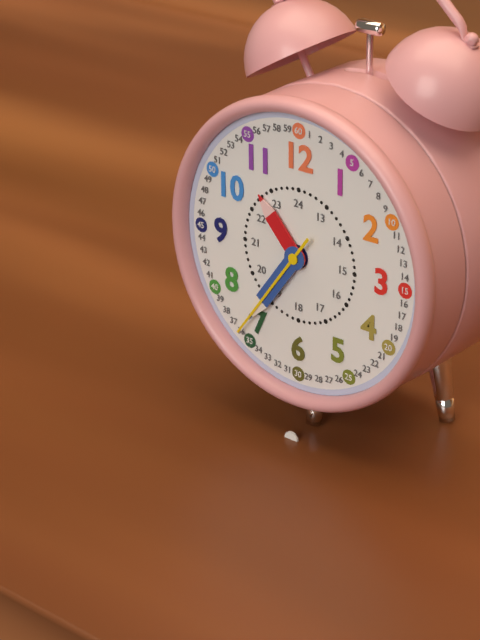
**10:36:36**
